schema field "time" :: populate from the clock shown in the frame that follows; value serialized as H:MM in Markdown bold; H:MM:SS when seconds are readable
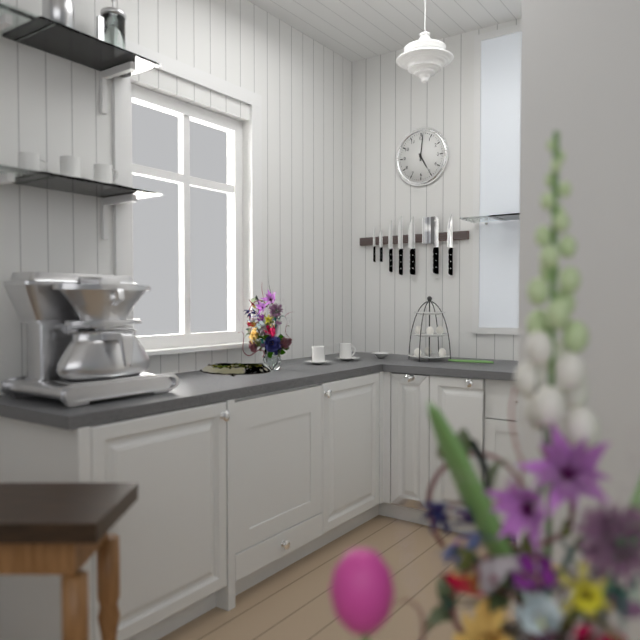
**5:01**
